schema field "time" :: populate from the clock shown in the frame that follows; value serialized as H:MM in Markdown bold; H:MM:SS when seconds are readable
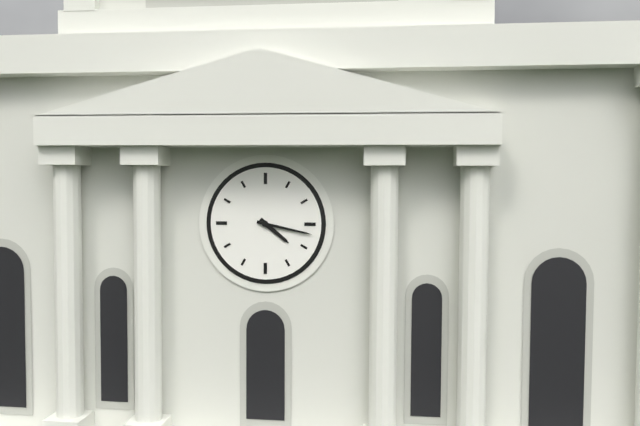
**4:17**
